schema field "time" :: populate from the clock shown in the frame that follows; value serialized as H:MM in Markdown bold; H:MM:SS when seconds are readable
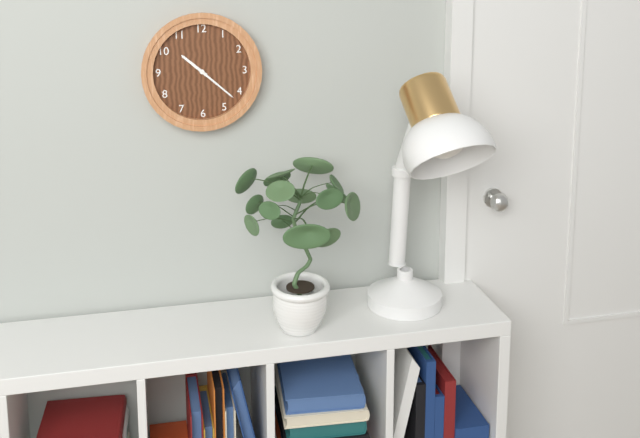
**10:22**
